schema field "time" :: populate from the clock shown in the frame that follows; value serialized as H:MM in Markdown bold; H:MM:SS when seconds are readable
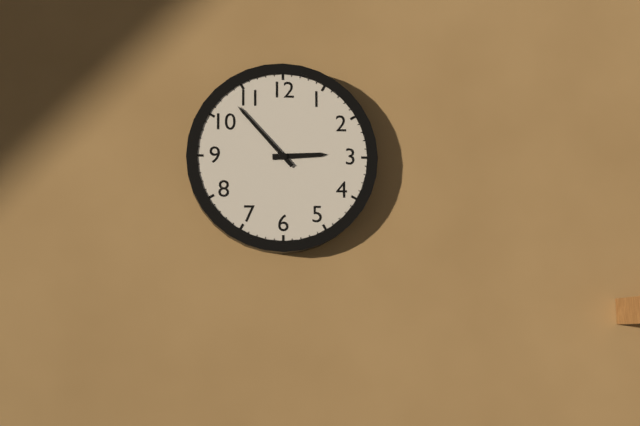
**2:53**
